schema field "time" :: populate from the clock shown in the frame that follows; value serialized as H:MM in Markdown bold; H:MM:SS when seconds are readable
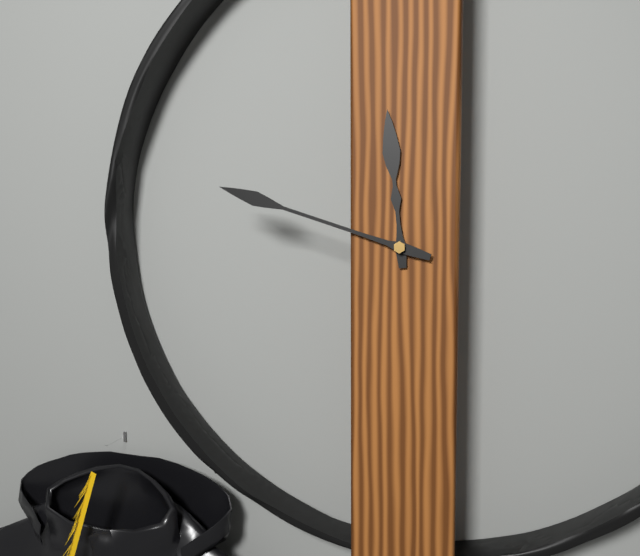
**11:48**
